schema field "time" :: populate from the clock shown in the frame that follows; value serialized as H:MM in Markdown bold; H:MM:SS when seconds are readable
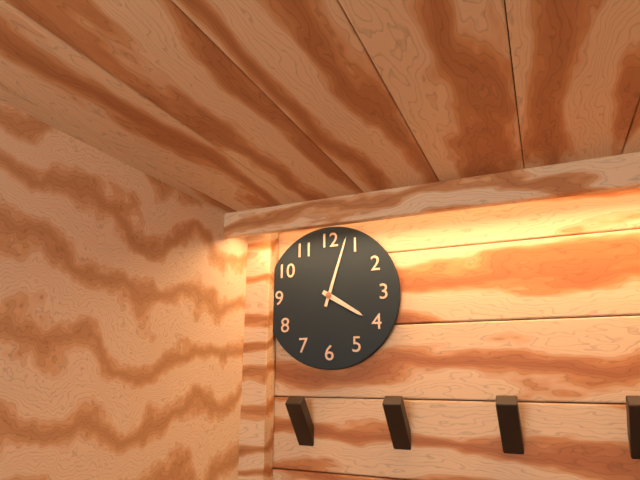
**4:03**
